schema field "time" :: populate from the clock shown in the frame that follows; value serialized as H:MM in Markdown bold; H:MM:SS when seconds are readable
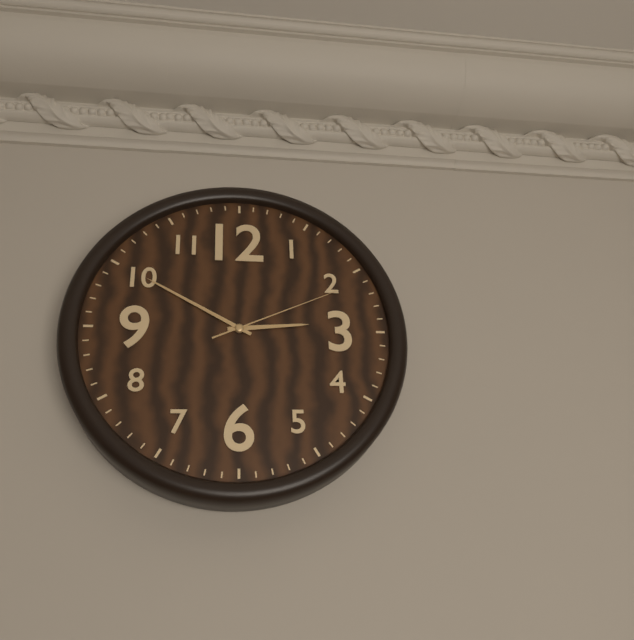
**2:50:11**
